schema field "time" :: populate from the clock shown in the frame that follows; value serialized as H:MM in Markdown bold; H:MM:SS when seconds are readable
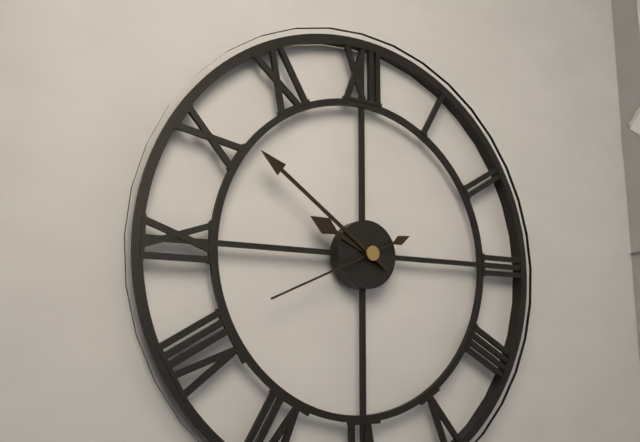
**9:51:41**
